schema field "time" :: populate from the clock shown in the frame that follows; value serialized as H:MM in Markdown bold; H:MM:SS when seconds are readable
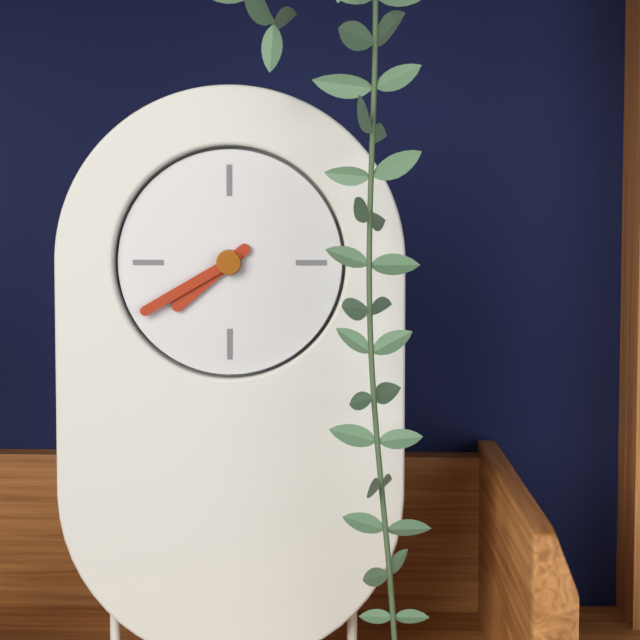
**7:40**
